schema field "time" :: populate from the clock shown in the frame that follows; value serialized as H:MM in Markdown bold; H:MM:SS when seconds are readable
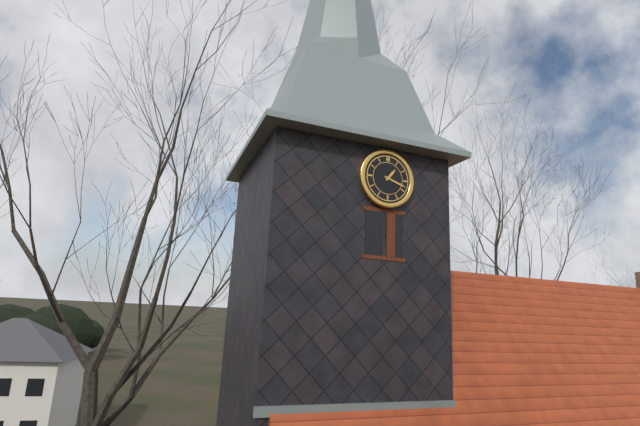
**1:18**
